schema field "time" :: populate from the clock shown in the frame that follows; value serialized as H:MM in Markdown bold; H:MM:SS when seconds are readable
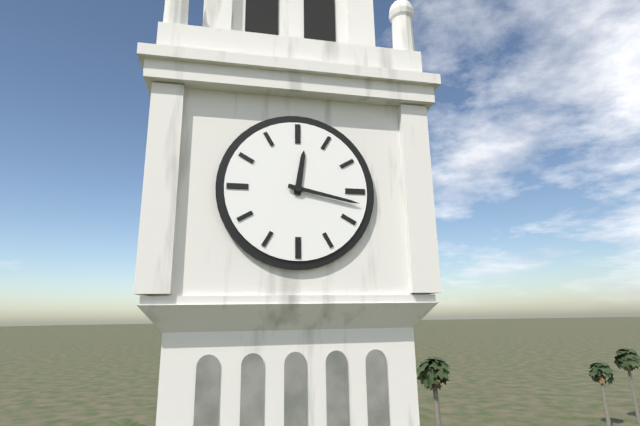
**12:17**
